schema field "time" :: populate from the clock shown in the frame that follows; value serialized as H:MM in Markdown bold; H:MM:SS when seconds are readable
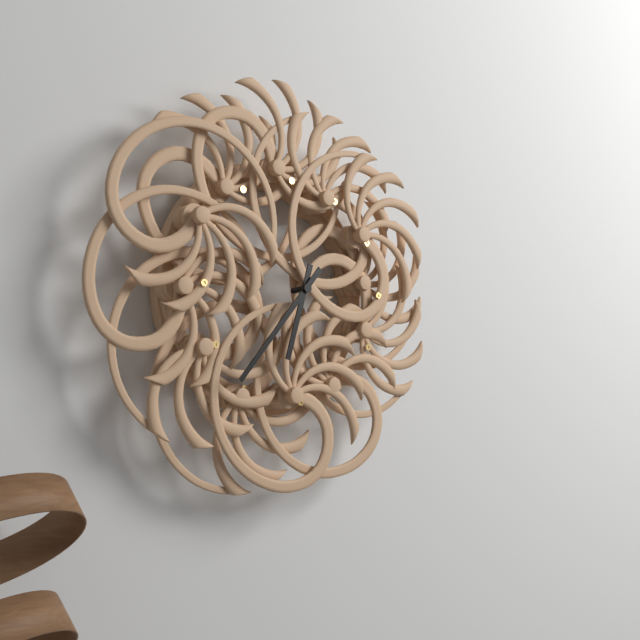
**6:37**
